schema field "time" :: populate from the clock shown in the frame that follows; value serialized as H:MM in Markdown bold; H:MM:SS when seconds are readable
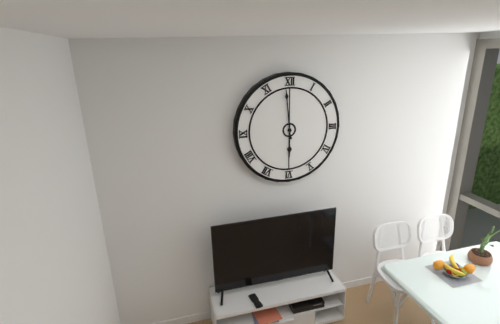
**5:59**
